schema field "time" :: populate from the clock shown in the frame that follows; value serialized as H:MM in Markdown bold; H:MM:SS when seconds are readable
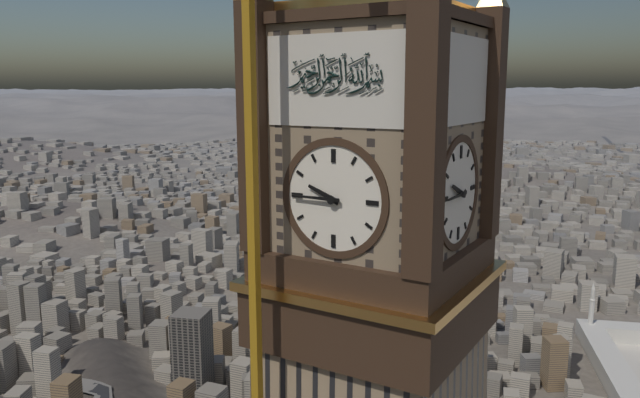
**9:45**
